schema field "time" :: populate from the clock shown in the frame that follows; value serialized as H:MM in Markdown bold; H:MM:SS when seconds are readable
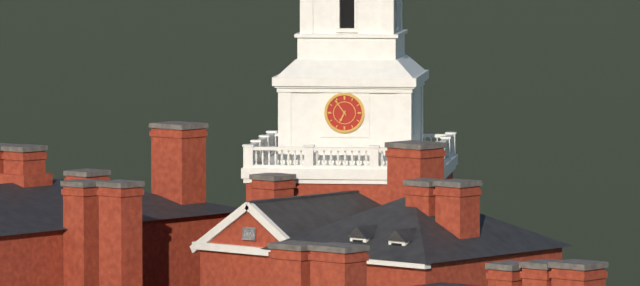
**6:54**
